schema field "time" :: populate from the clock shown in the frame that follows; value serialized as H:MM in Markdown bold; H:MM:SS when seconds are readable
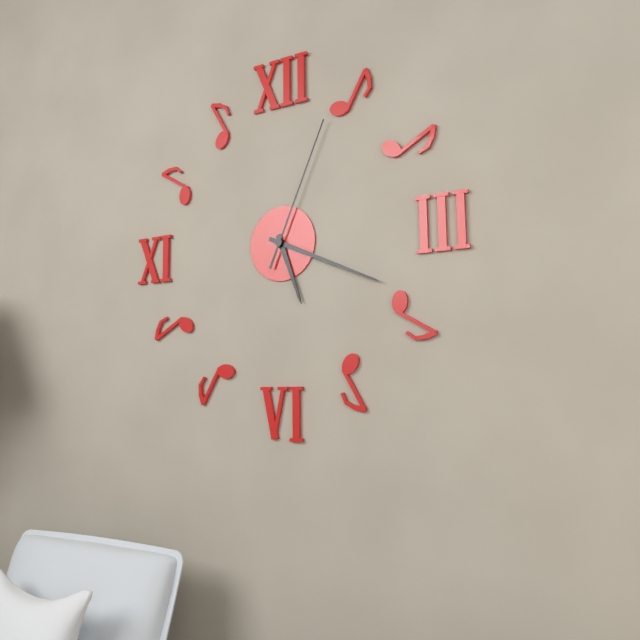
**5:19:04**
